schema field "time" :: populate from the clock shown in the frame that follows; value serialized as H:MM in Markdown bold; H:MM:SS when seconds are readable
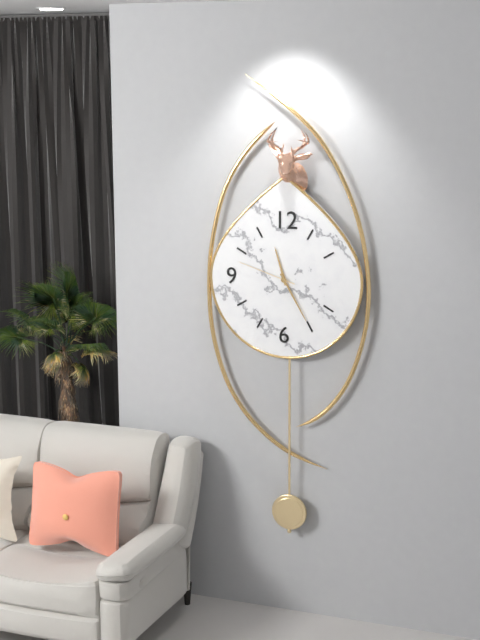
**11:25:48**
